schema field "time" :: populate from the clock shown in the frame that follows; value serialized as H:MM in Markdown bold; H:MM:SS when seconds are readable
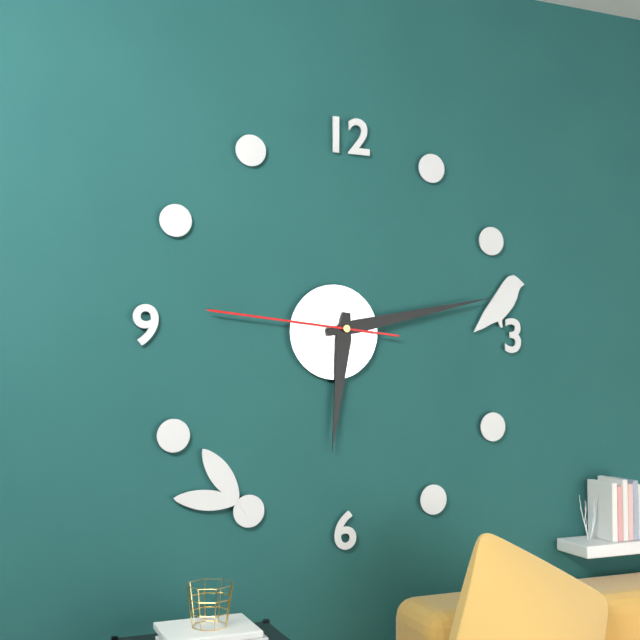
**6:13:46**
